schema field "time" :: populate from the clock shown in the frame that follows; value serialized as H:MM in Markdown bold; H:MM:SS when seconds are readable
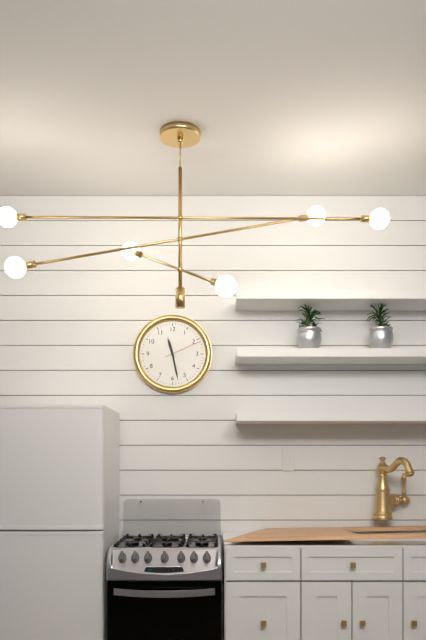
**11:28**
